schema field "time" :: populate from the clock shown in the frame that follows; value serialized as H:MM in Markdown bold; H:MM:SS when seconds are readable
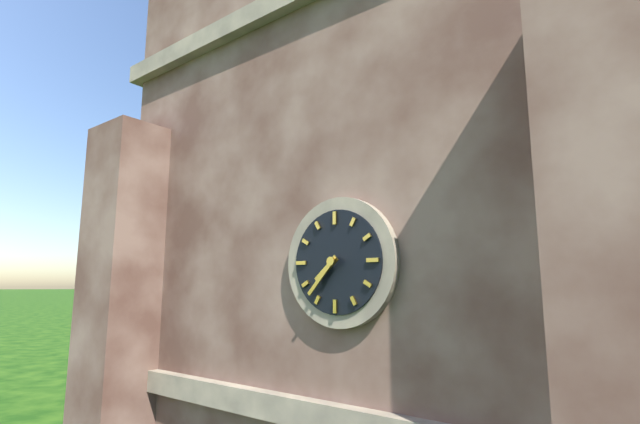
**7:37**
